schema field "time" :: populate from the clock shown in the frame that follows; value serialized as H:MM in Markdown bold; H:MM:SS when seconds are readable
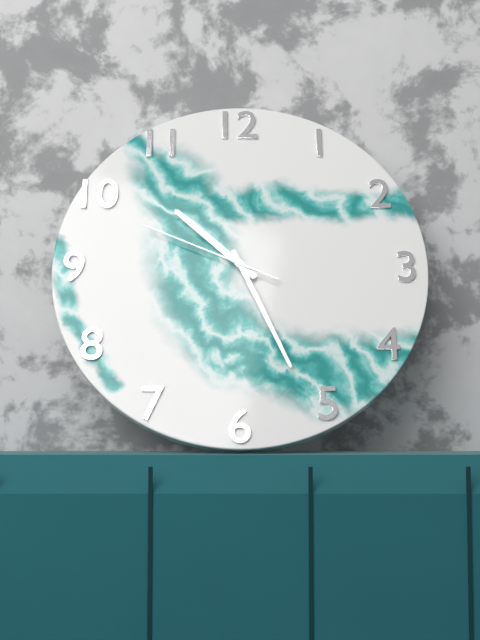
**10:26:49**
